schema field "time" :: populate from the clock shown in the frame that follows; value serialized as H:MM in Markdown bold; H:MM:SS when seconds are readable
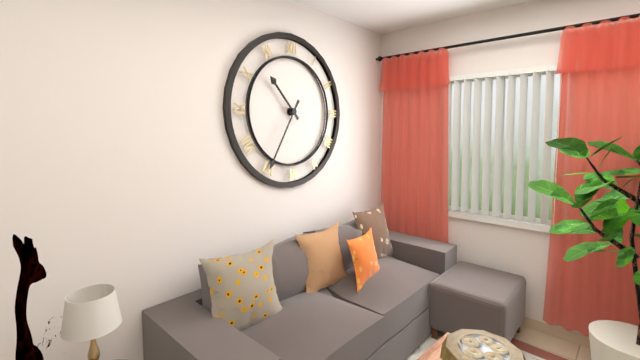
**10:35**
